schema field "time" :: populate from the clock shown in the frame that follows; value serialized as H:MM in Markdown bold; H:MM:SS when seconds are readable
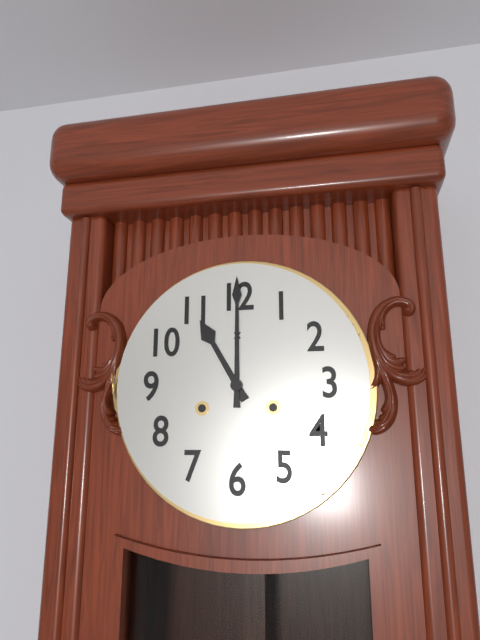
**11:00**
